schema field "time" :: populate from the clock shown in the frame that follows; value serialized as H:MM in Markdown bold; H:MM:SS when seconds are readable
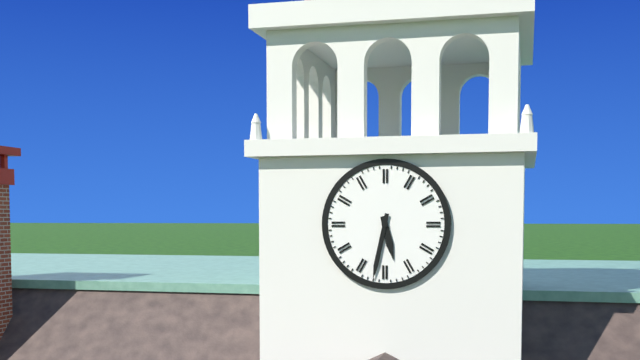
**5:32**
